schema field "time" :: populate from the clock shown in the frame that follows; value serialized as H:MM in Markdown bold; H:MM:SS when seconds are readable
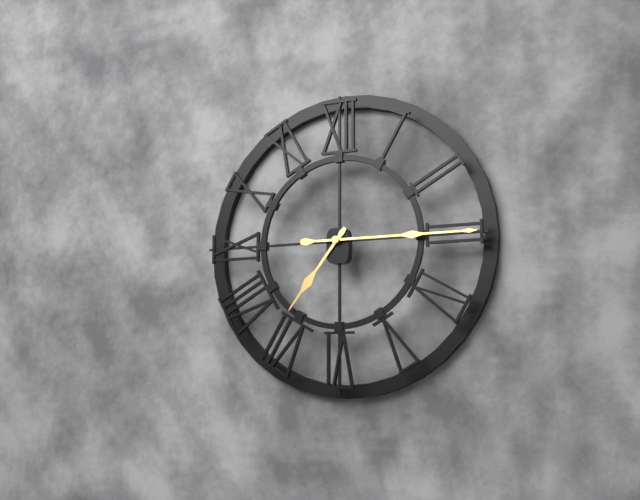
**7:15**
